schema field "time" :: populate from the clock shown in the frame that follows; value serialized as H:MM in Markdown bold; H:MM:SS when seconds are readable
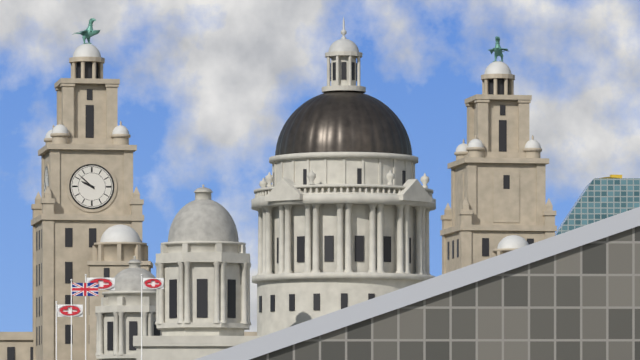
**9:52**
